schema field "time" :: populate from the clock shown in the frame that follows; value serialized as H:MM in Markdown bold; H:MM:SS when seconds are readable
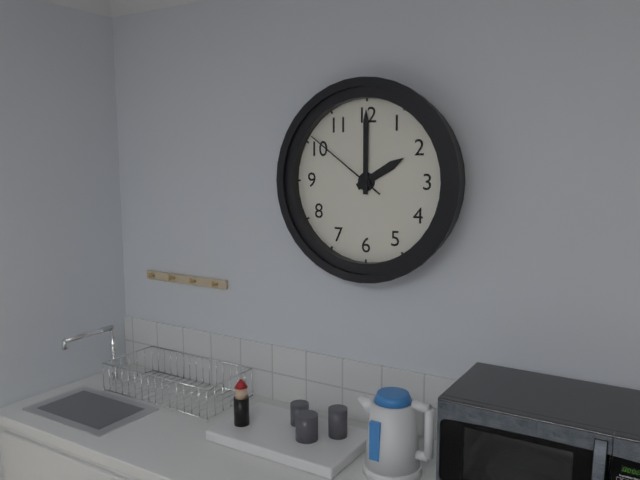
**2:00:51**
